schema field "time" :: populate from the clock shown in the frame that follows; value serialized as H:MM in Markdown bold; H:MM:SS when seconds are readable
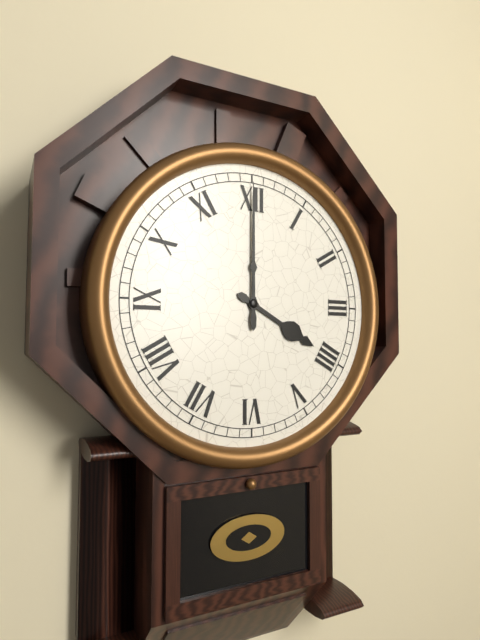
**4:00**
